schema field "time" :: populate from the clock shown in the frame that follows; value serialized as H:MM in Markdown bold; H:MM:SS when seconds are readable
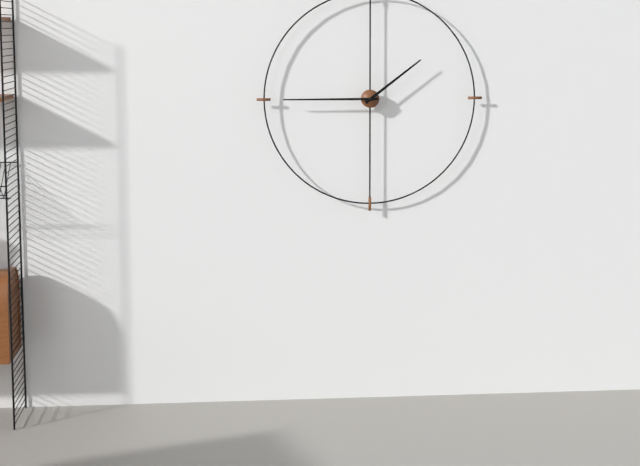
**1:45**
